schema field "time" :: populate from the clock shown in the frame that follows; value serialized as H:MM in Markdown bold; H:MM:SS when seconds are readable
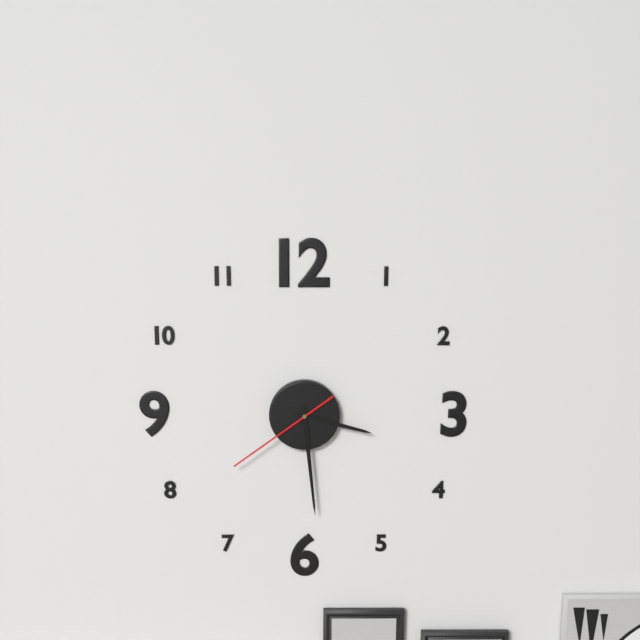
**3:29:39**
